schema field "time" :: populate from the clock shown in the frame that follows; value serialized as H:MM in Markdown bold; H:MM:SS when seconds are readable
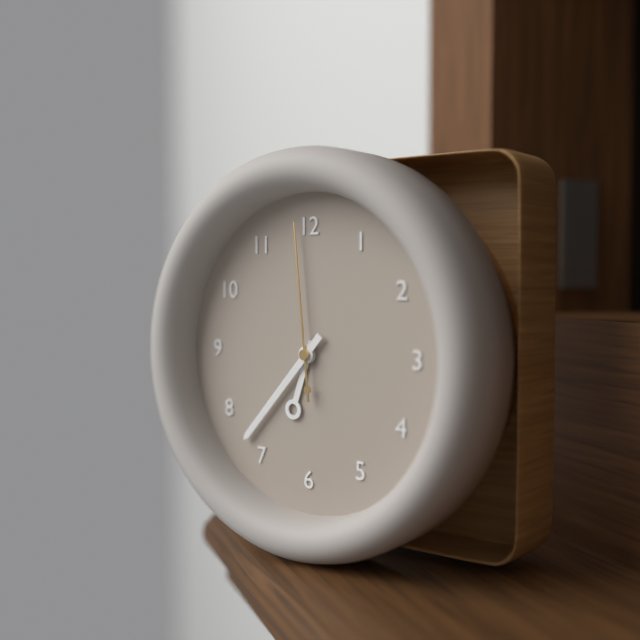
**6:37:59**
